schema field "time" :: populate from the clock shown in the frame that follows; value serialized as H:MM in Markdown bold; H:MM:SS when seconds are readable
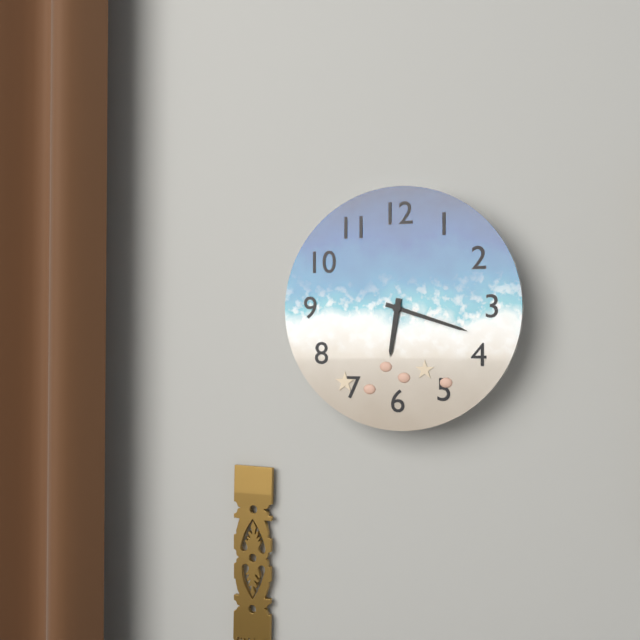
**6:18**
